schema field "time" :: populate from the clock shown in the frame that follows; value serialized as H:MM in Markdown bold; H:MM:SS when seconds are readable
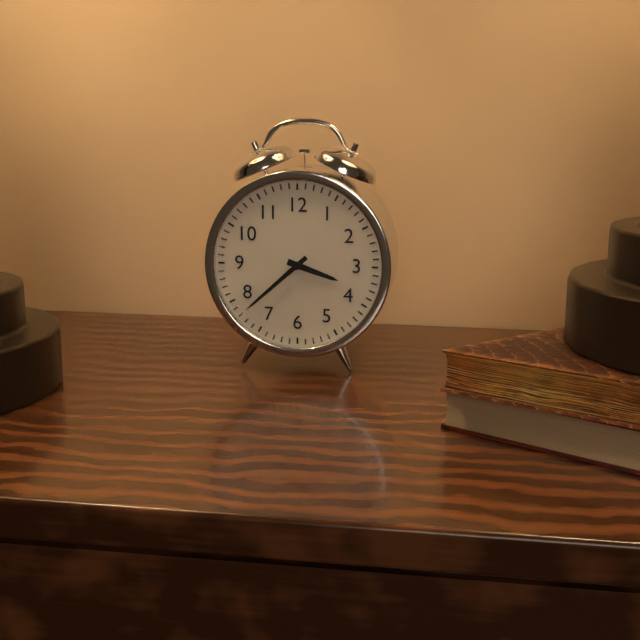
**3:38**
